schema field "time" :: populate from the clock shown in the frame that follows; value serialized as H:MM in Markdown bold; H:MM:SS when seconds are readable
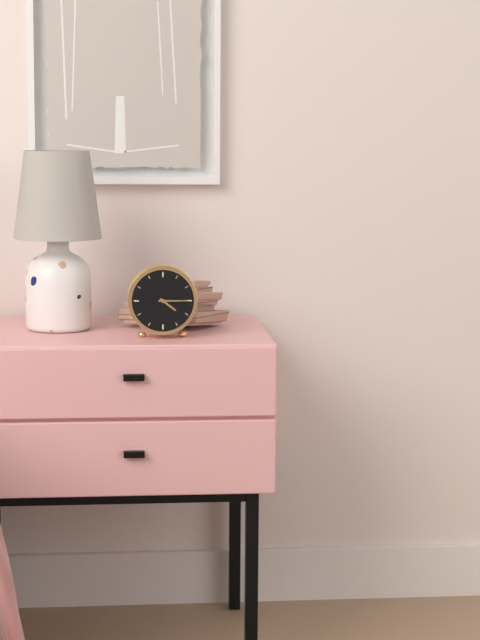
**4:15**
